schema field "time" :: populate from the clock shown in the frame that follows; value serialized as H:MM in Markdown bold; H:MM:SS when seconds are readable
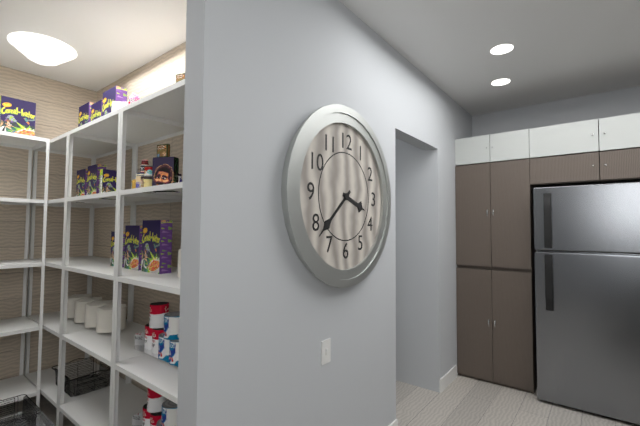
**3:38**
